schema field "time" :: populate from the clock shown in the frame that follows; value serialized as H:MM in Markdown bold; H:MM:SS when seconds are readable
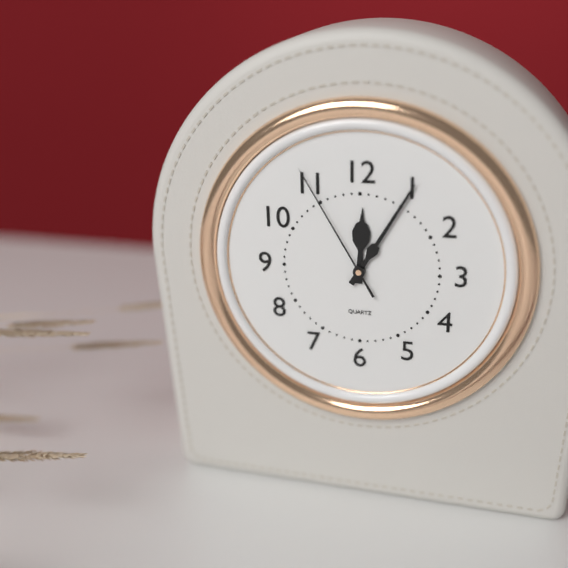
**12:05:55**
